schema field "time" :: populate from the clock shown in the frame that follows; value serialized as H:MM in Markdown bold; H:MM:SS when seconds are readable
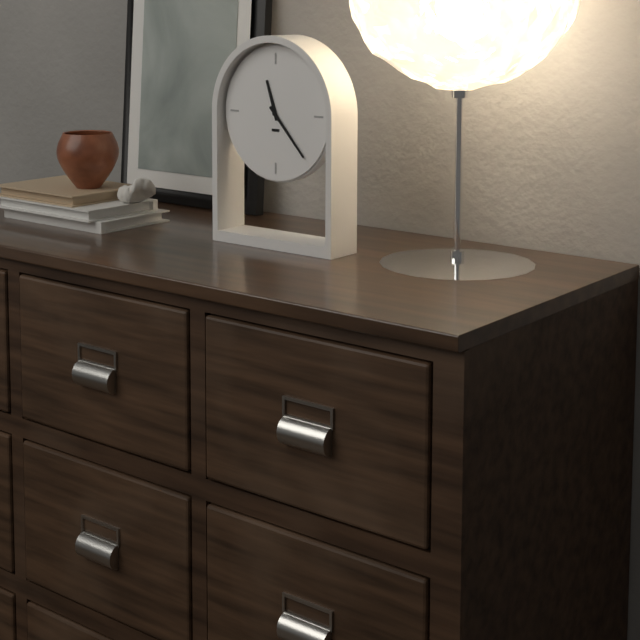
**11:23**
